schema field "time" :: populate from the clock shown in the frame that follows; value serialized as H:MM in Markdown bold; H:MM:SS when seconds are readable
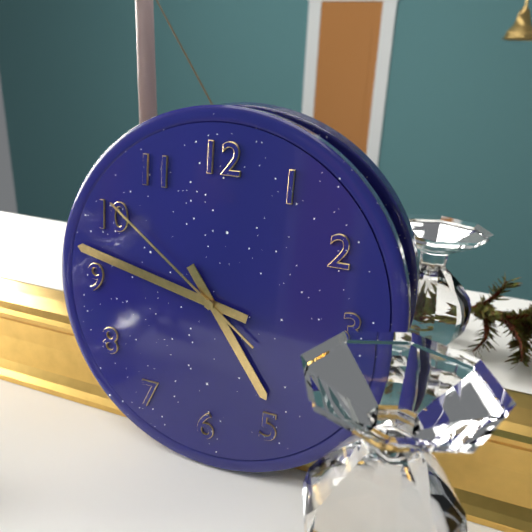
**4:47:51**
